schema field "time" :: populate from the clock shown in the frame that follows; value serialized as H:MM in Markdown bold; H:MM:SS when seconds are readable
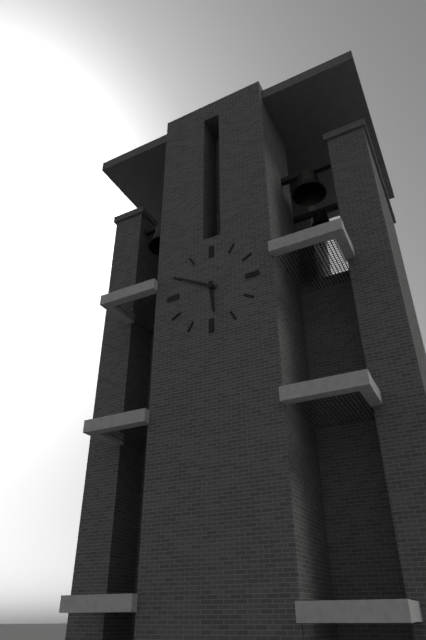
**5:50**
